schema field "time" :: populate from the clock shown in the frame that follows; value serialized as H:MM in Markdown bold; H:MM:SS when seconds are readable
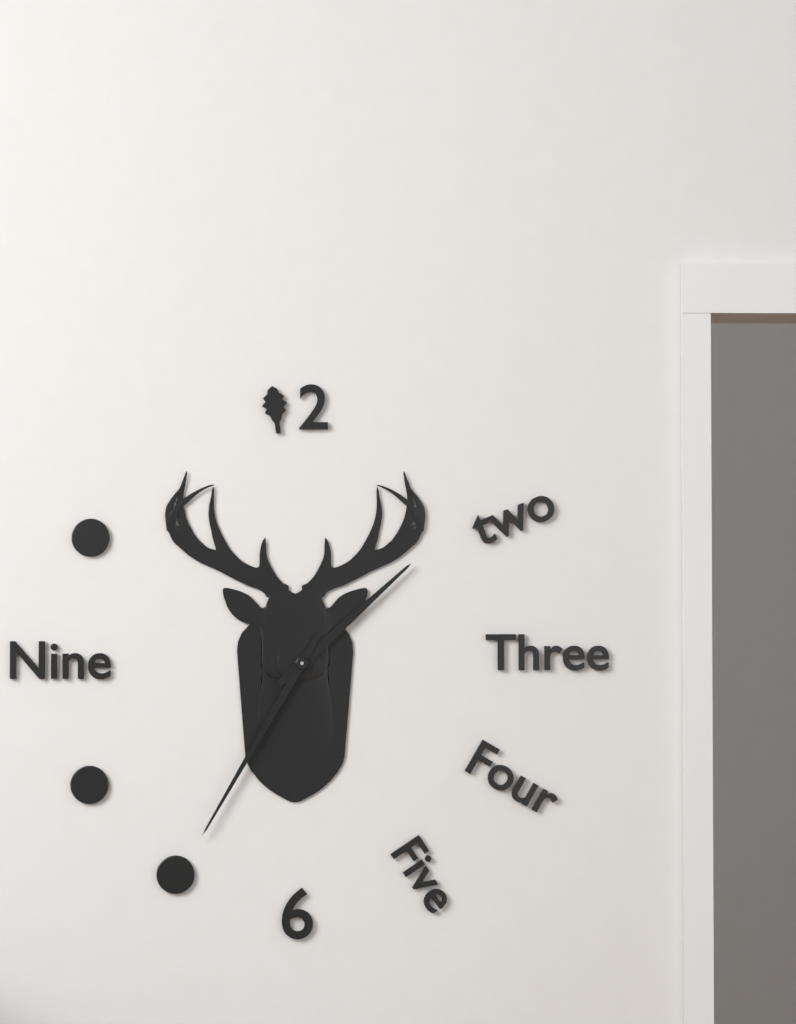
**1:35**
